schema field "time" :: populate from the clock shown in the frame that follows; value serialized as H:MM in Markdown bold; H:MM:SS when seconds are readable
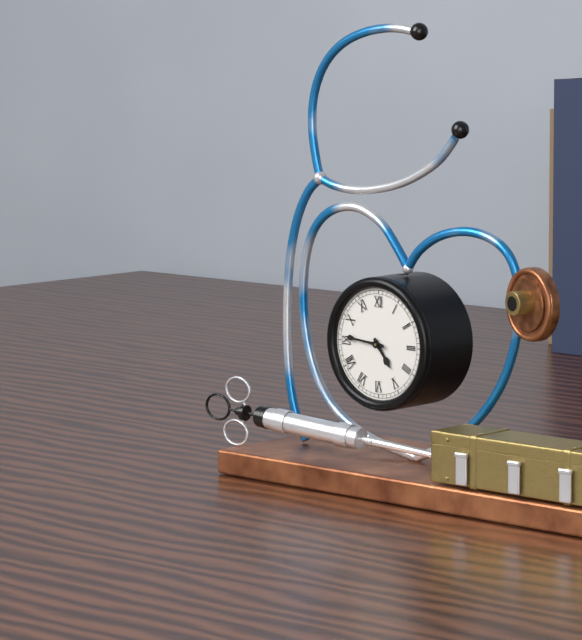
**4:46**
